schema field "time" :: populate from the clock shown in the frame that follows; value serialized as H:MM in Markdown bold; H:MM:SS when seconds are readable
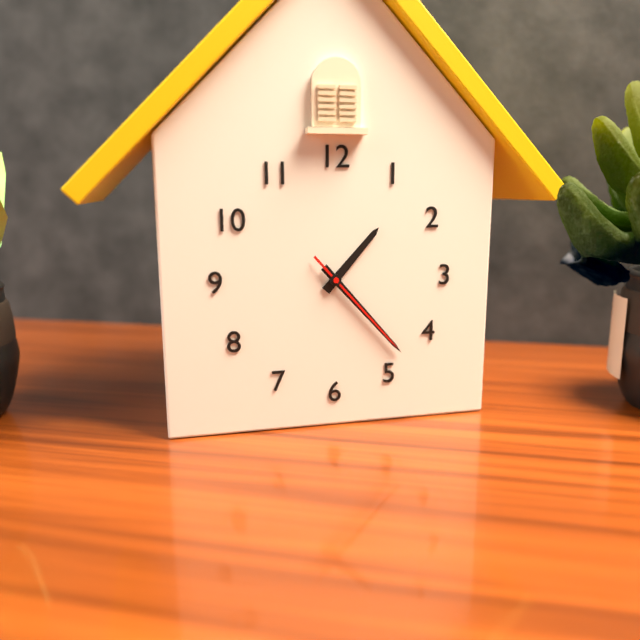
**1:23:23**
